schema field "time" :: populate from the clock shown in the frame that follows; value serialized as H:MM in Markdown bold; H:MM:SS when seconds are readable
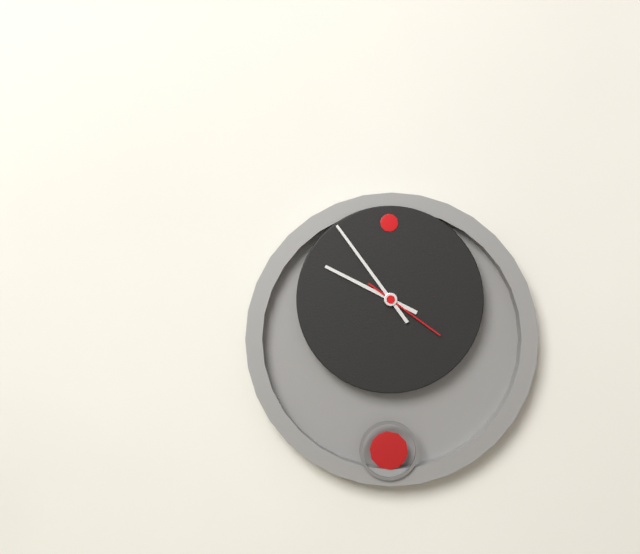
**9:54:21**
